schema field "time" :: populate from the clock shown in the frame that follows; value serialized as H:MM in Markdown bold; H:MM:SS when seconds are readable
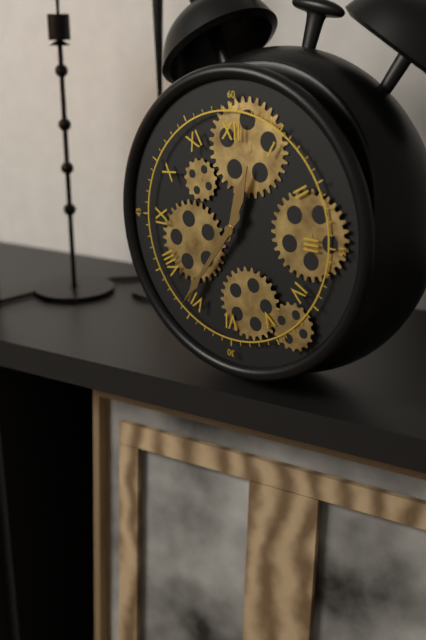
**12:36**
